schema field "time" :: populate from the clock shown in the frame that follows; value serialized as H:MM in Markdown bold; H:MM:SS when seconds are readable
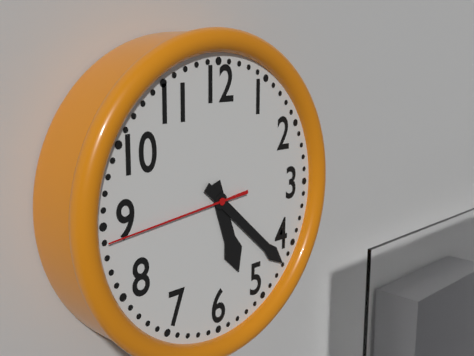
**5:22:44**
